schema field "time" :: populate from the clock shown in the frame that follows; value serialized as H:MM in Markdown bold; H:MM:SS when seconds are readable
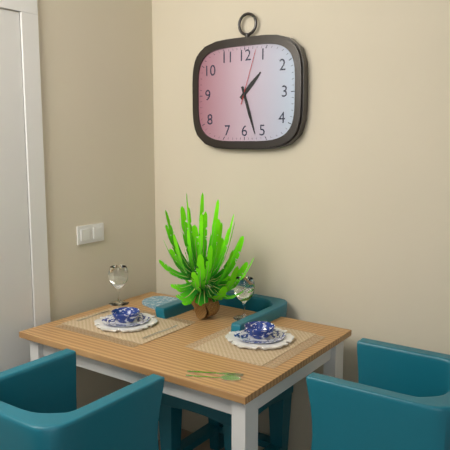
**1:27:03**
